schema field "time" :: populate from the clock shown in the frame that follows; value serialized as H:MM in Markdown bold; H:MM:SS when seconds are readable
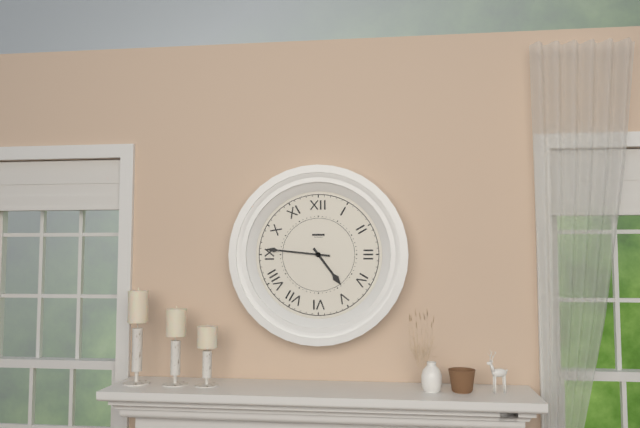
**4:46**
